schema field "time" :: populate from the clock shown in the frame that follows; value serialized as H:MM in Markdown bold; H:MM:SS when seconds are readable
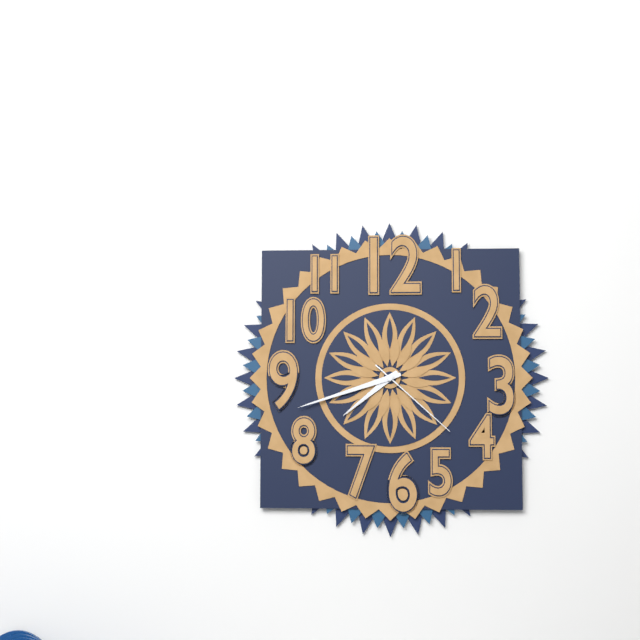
**7:42:22**
